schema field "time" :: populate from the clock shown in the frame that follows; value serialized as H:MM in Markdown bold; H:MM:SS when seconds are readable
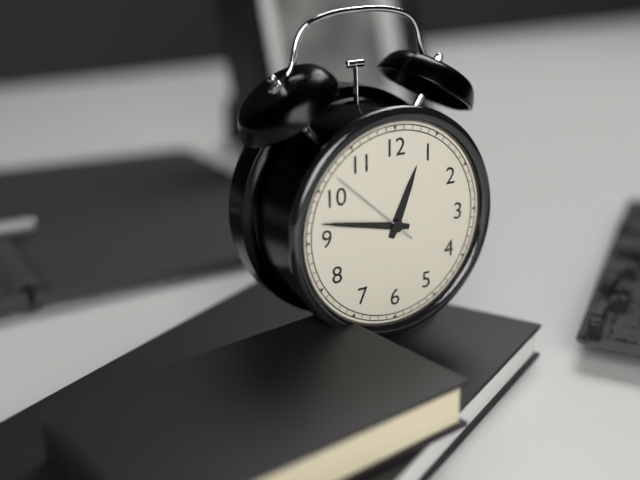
**12:47:52**
